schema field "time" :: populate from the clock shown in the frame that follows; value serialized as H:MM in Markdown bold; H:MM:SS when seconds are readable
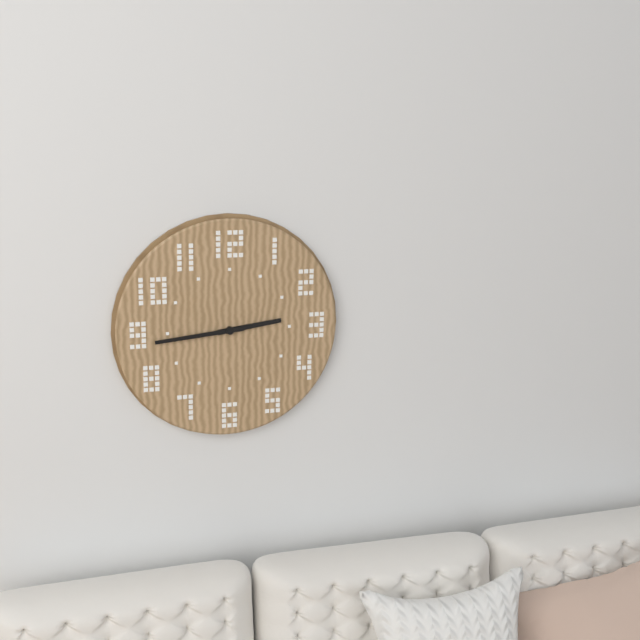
**2:44**
